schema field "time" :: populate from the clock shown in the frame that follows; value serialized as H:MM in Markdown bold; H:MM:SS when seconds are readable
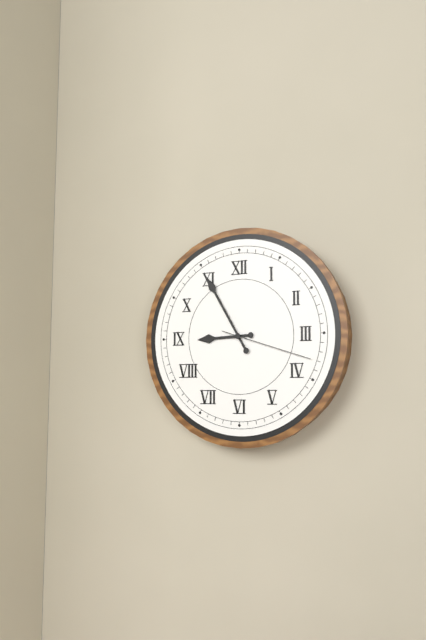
**8:55:18**
